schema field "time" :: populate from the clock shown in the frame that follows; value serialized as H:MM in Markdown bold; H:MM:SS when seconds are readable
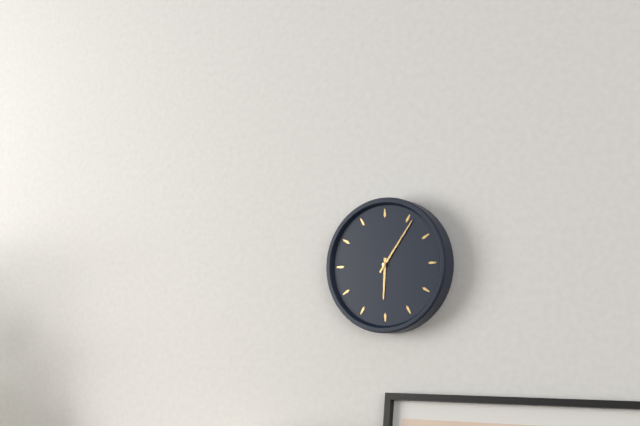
**6:06**
